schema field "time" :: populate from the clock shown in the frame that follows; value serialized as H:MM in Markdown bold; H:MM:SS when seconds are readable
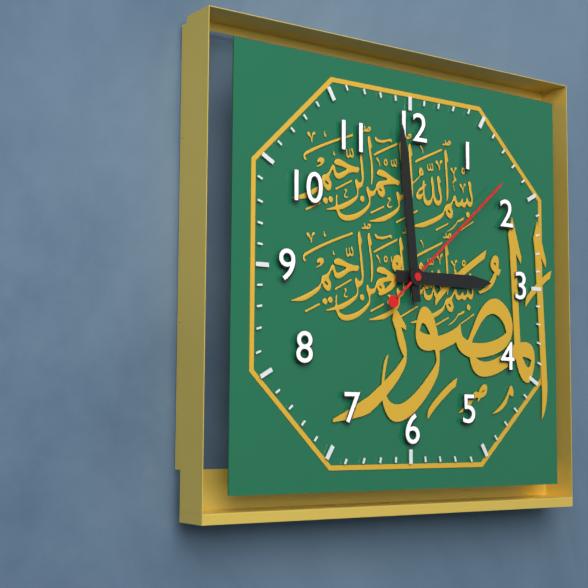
**2:59:08**
